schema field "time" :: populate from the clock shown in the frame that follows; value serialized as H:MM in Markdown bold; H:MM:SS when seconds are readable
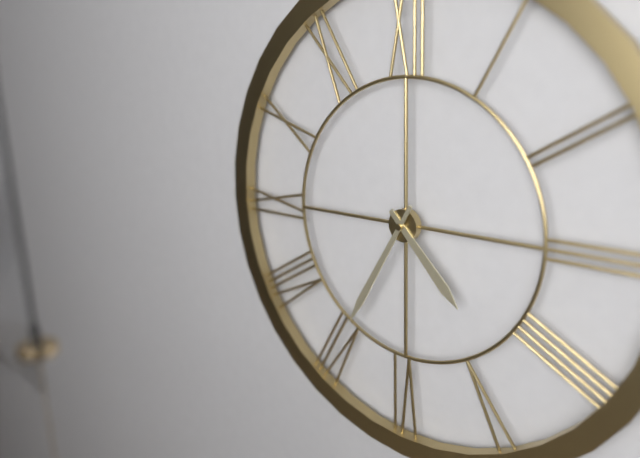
**4:35**
